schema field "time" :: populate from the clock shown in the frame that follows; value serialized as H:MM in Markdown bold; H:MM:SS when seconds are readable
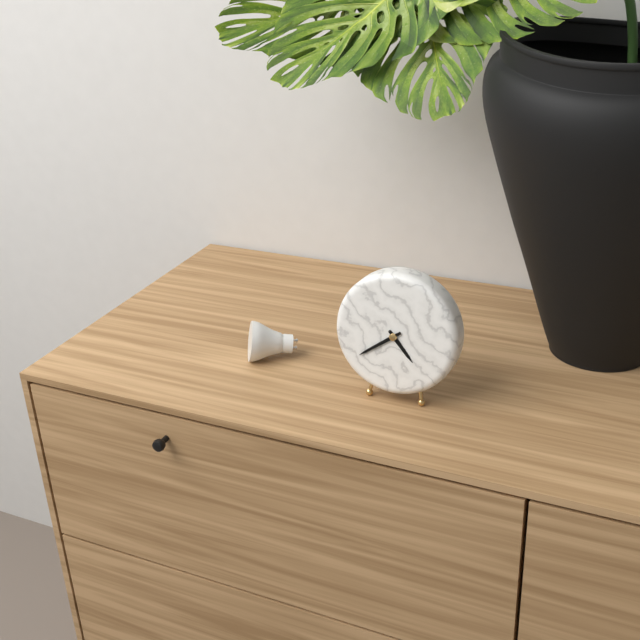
**4:39**
